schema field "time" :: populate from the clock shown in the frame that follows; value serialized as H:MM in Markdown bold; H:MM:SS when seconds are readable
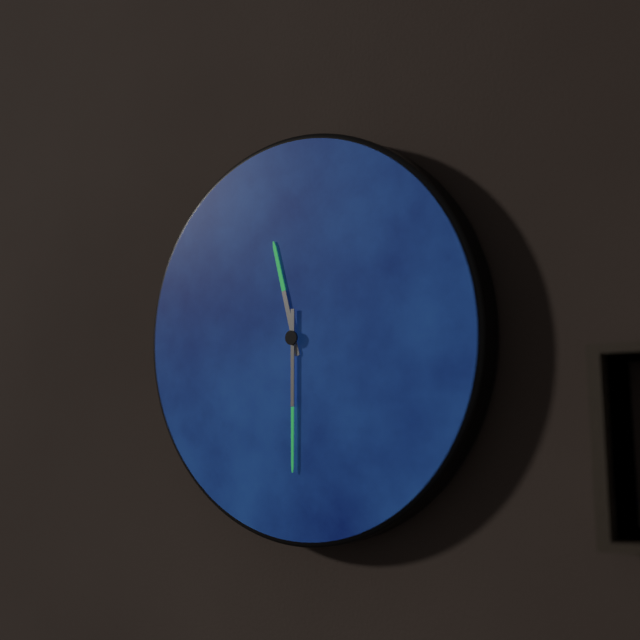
**11:30**
